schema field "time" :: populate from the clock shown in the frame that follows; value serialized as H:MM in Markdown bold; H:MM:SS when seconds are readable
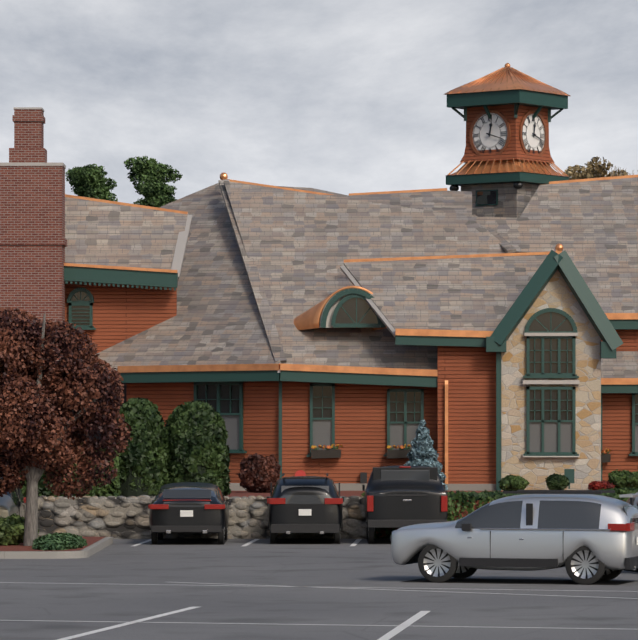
**12:18**
